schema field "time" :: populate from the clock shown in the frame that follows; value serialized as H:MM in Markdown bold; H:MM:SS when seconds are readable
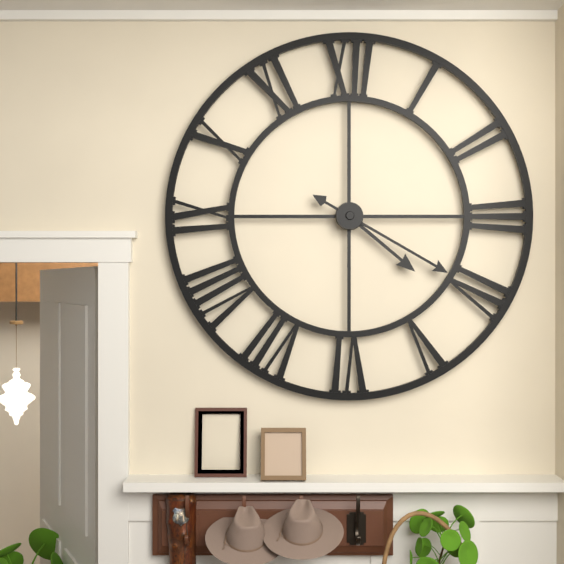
**4:20**
